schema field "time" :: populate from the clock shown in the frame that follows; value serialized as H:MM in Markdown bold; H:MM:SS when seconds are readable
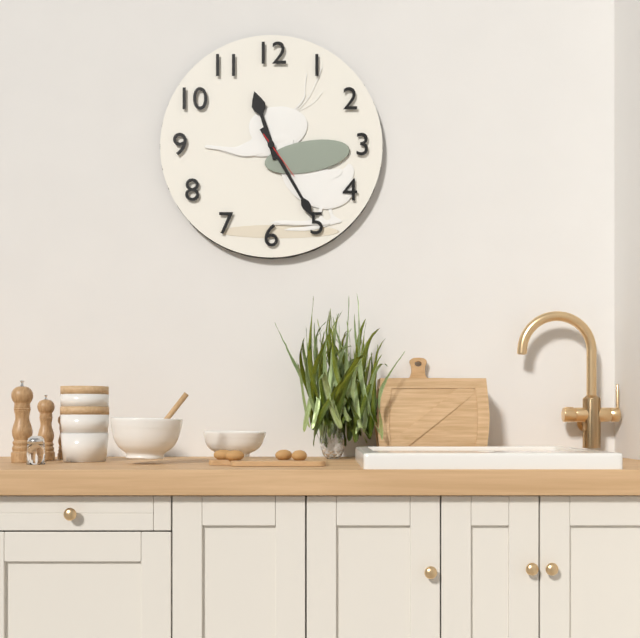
**11:25**
